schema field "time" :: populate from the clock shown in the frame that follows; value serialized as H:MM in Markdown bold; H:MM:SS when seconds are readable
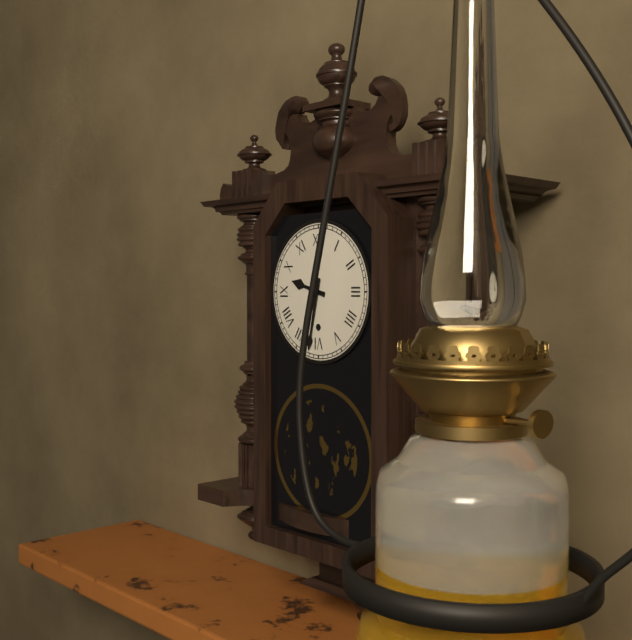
**9:32**
